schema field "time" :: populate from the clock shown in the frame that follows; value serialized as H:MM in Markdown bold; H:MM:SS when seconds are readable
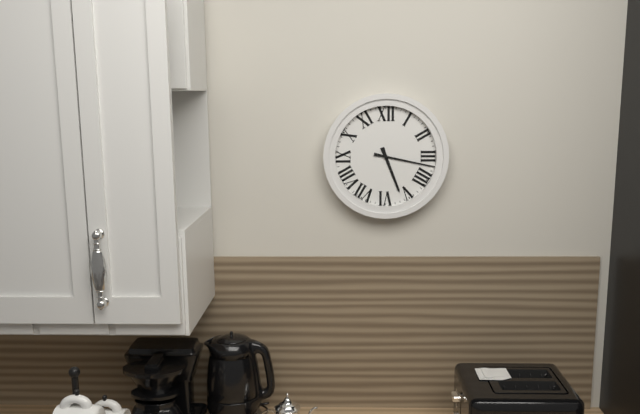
**5:17**
